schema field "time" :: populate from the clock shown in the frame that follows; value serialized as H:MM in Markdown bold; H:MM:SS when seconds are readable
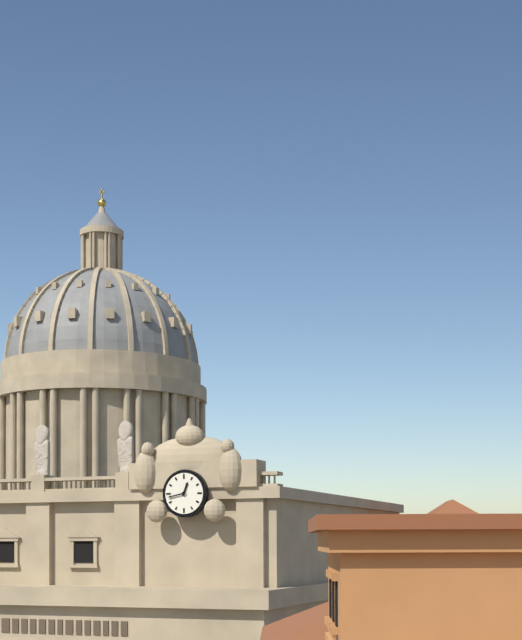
**12:43**
